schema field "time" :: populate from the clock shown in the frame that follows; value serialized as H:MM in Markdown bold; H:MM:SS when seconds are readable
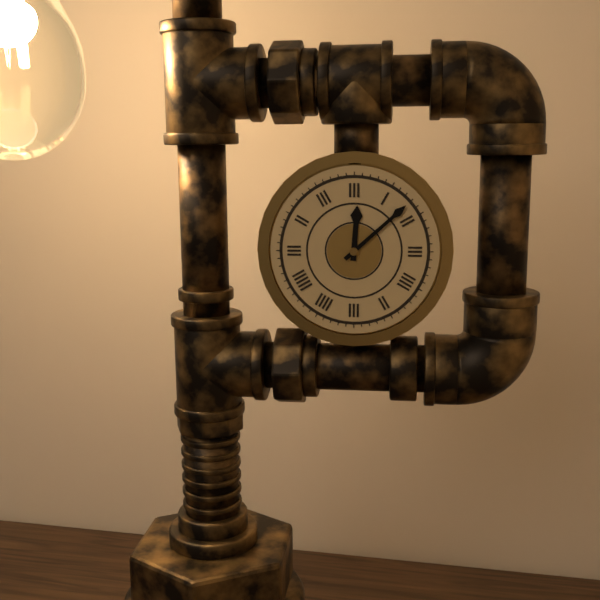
**12:08**
